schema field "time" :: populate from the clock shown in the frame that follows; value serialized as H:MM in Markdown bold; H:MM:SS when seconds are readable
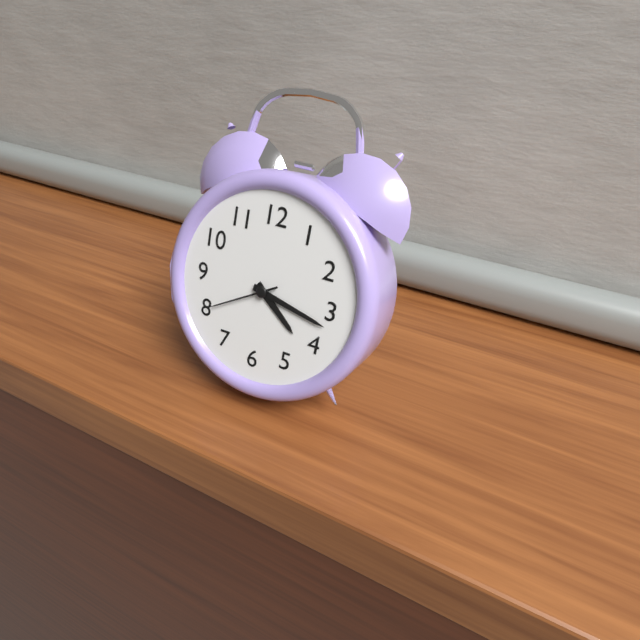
**4:17:40**
